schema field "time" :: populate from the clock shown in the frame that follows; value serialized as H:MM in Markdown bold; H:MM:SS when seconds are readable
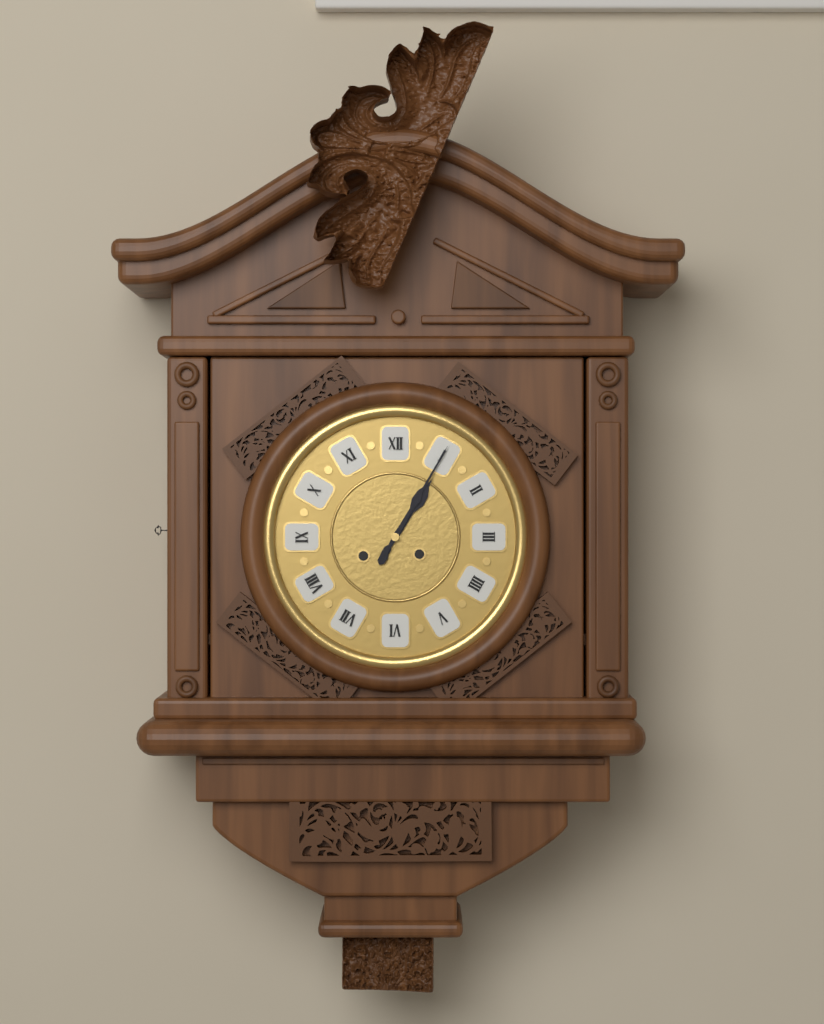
**1:05**
